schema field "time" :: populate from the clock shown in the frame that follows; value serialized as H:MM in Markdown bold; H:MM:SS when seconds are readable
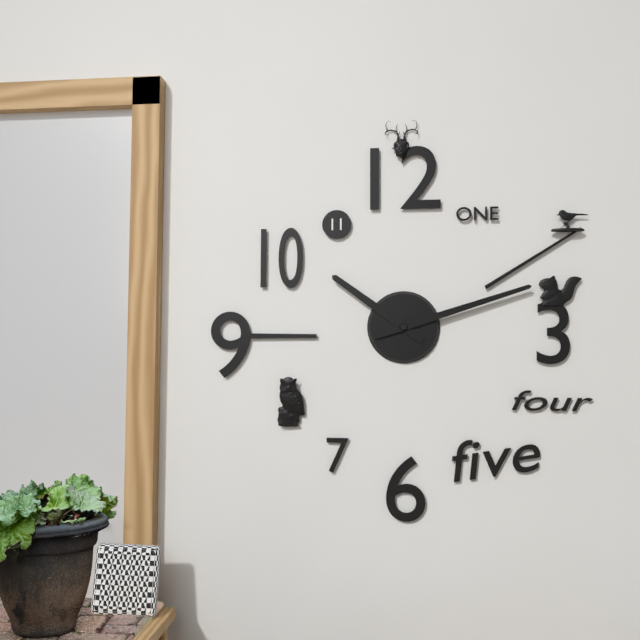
**10:12**
